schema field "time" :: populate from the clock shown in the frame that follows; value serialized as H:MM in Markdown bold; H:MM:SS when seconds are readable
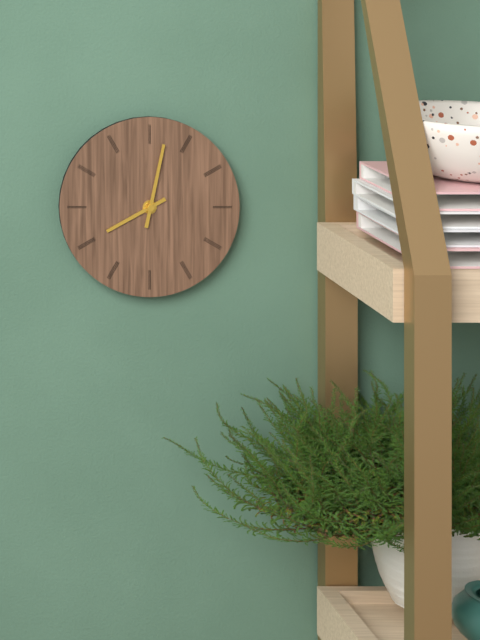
**8:02**
